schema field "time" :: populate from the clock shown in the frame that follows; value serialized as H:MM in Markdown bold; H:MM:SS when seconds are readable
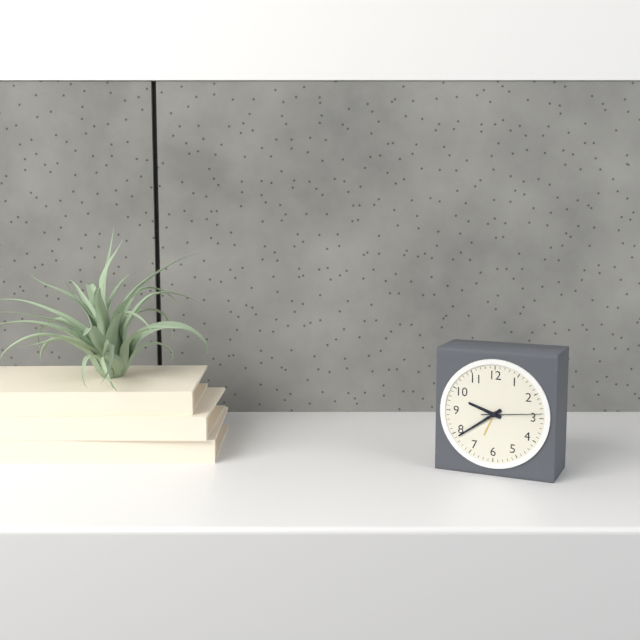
**9:39:14**
